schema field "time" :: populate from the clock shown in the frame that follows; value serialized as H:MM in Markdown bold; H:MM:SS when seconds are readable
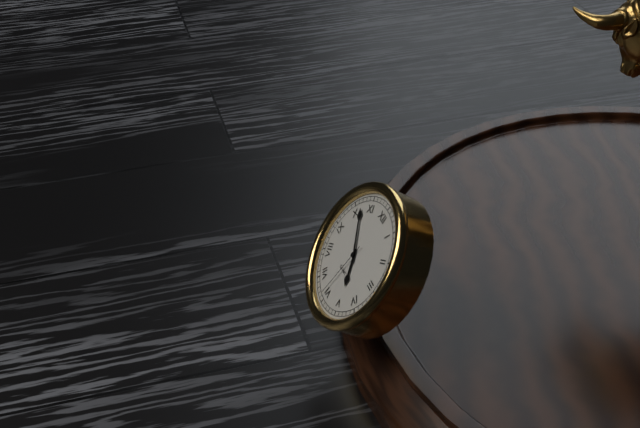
**4:52:31**
